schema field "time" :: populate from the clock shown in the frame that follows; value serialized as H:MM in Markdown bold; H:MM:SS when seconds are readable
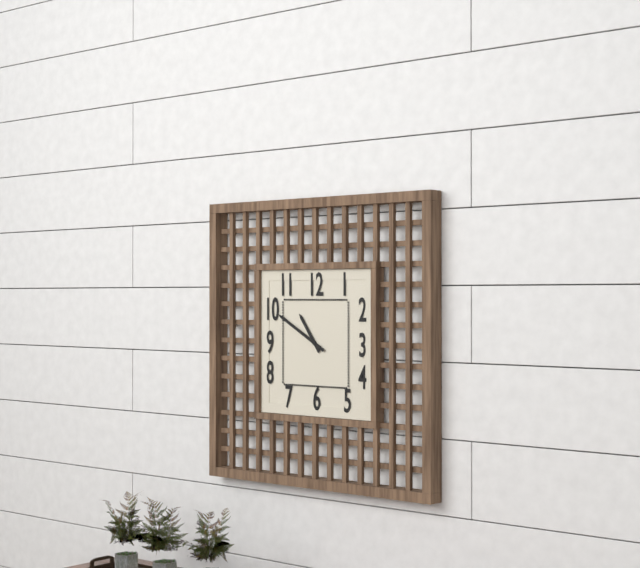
**10:50**
